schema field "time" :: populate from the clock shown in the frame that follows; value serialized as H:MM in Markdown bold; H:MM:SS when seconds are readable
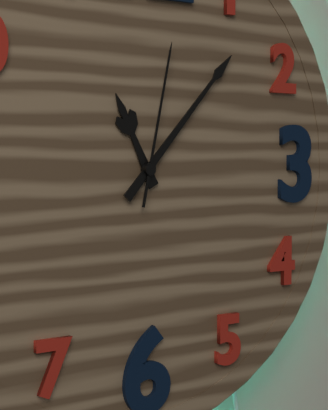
**11:07:02**
